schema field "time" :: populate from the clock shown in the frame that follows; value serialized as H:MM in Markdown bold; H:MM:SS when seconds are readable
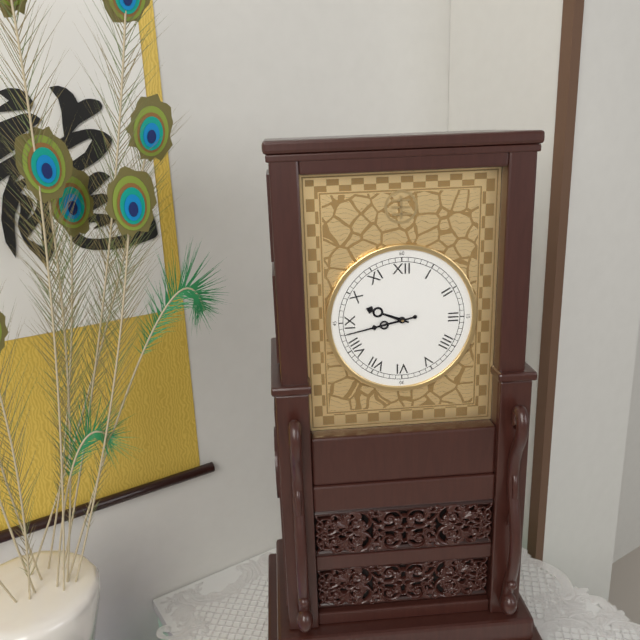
**9:43**
